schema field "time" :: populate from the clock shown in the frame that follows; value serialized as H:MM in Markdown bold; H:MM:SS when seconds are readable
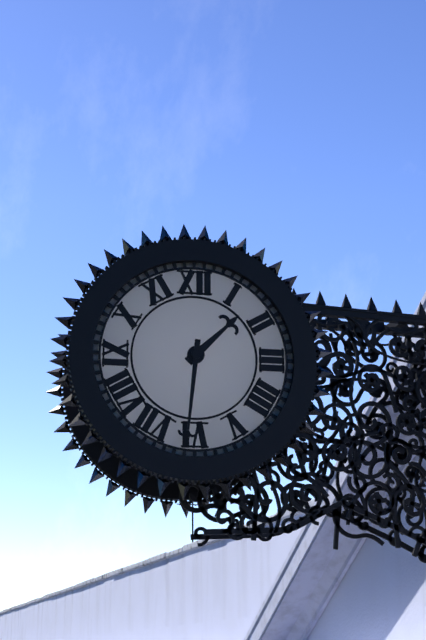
**1:31**
